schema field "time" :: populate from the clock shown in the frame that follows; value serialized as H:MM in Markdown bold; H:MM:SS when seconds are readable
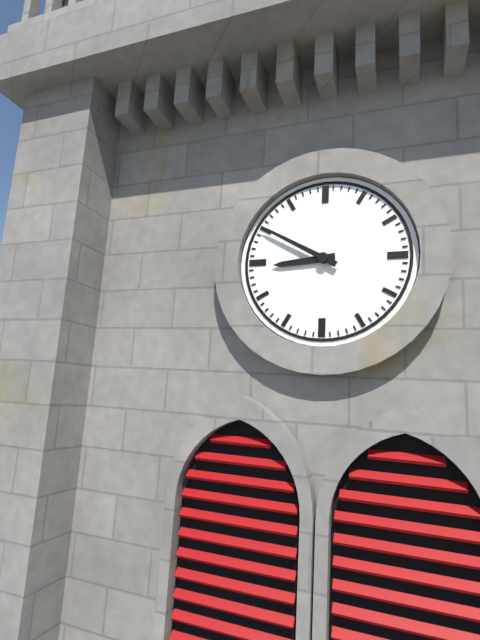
**8:50**
